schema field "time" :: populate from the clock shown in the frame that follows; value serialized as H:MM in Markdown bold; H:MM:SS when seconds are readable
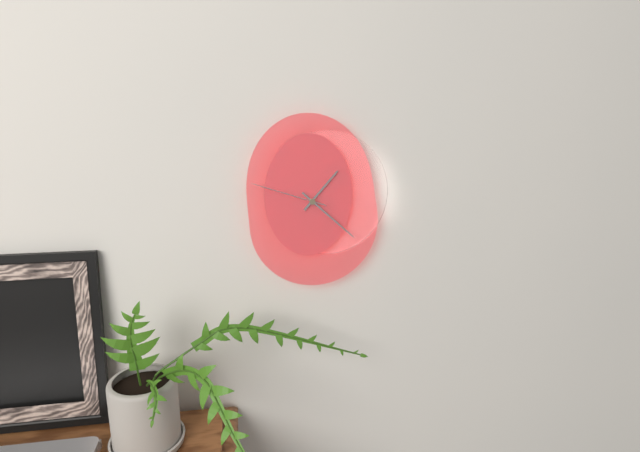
**1:22:48**
